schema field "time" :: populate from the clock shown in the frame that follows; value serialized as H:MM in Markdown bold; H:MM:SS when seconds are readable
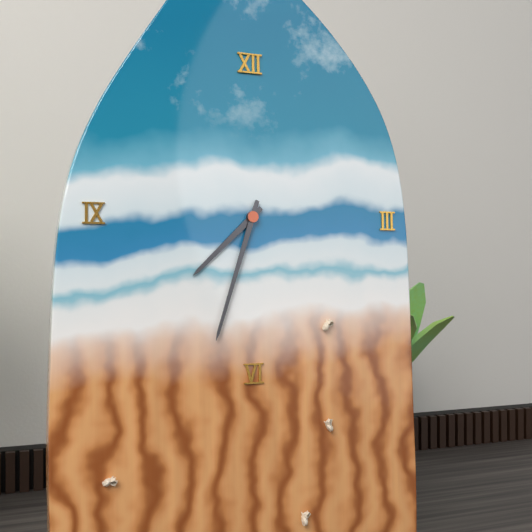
**7:33**
